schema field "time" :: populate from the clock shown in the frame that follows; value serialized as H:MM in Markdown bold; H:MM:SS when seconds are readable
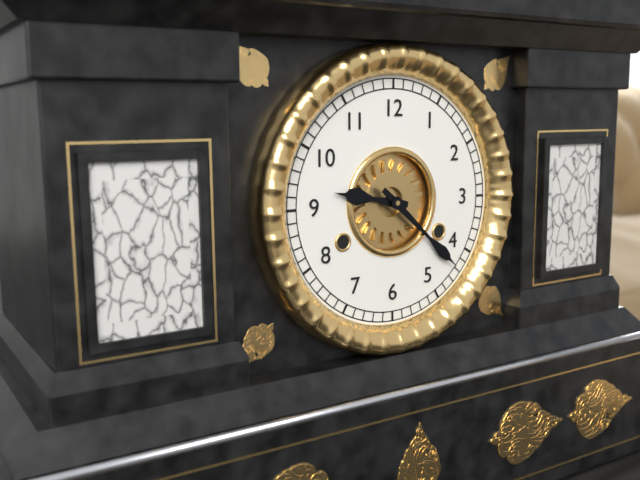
**9:22**
